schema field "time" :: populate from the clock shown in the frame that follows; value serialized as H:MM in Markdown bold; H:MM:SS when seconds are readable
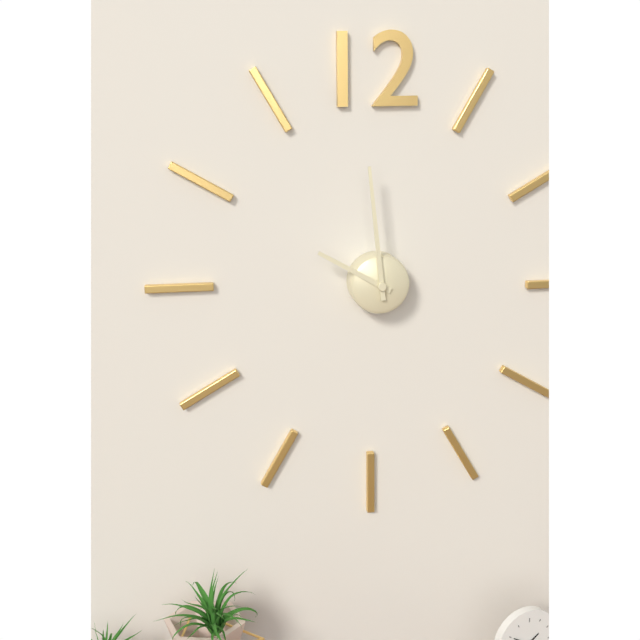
**9:59**
